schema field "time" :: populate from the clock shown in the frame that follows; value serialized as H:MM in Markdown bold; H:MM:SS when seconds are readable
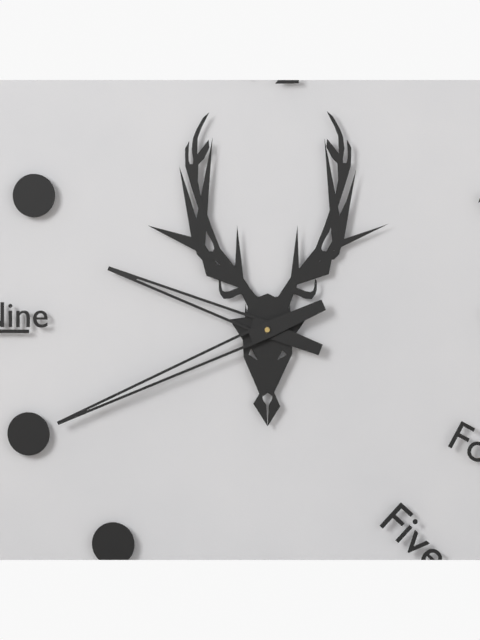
**9:41**
